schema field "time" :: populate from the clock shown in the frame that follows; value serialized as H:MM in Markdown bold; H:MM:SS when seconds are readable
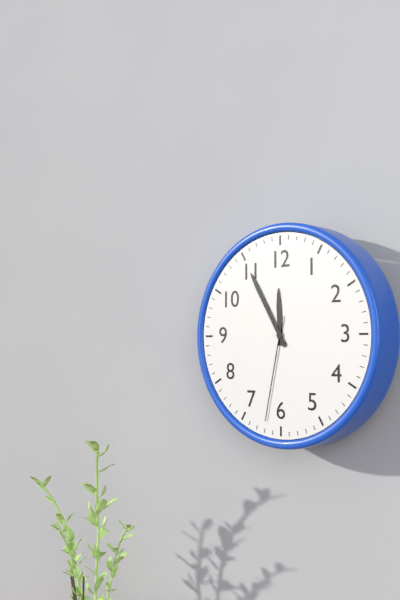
**11:55:32**
